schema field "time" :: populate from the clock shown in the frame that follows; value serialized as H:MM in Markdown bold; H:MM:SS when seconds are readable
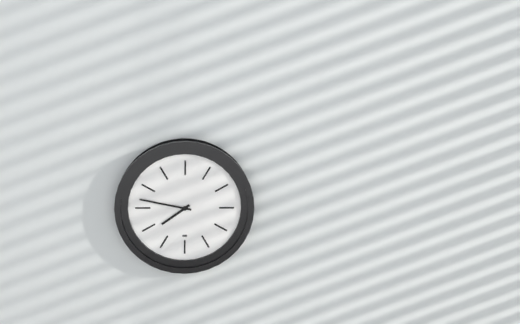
**7:47**
